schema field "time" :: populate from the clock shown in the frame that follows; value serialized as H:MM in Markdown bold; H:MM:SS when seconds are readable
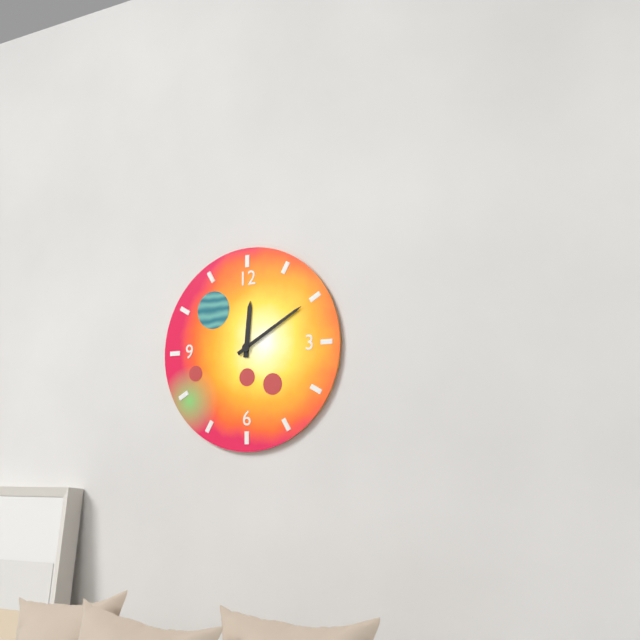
**12:10**
